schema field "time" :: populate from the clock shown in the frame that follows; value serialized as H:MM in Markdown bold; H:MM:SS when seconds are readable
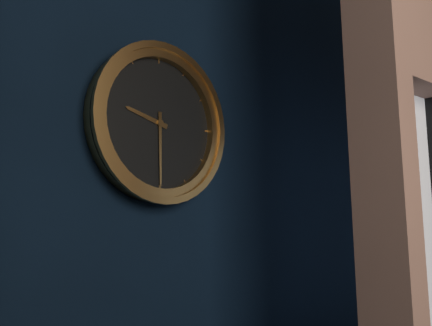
**9:30**
